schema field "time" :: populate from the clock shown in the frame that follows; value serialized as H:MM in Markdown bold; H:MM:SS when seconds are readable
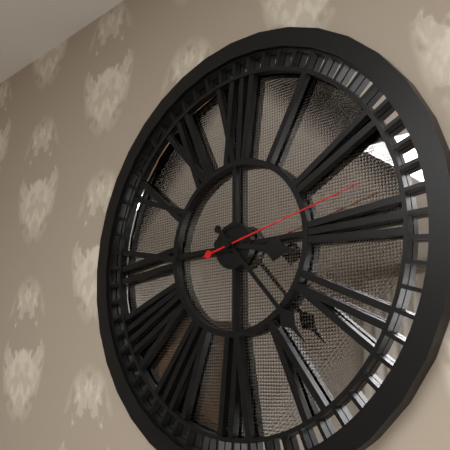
**3:23:13**
